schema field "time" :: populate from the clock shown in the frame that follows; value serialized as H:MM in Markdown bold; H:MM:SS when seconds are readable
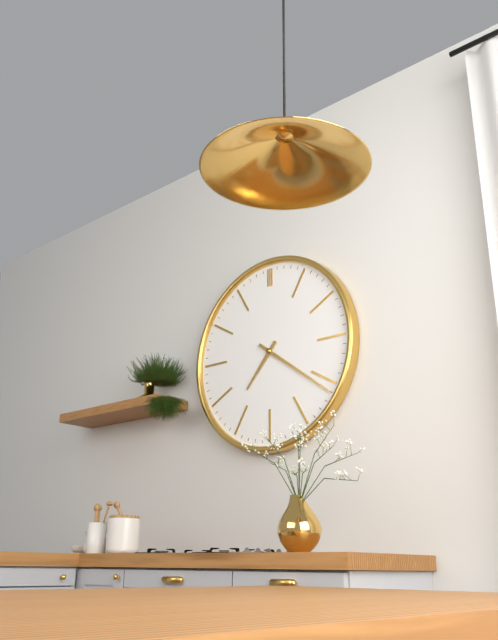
**7:21**
